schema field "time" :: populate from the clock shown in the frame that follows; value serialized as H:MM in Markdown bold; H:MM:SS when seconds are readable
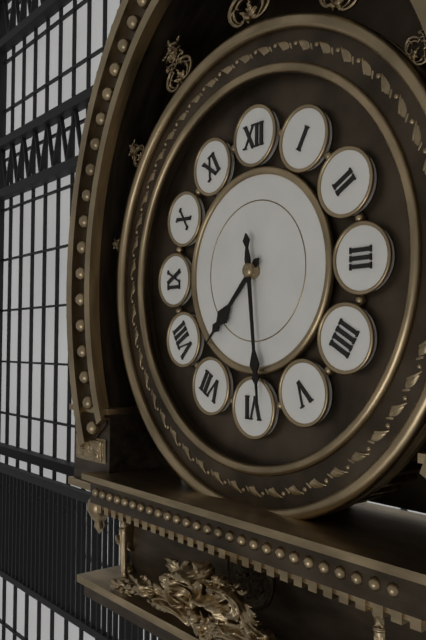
**7:29**
